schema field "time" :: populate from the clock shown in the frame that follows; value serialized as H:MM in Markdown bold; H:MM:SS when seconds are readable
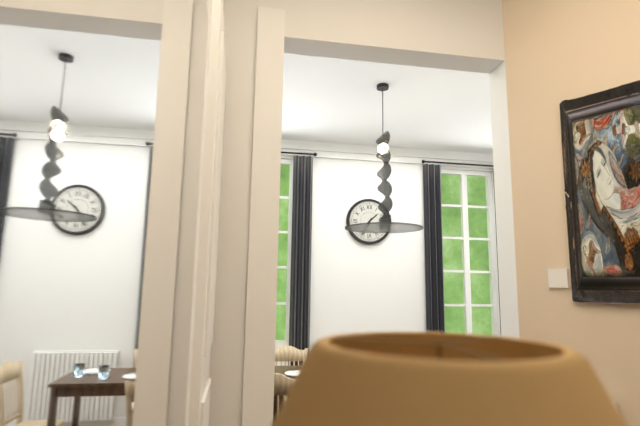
**1:35**
